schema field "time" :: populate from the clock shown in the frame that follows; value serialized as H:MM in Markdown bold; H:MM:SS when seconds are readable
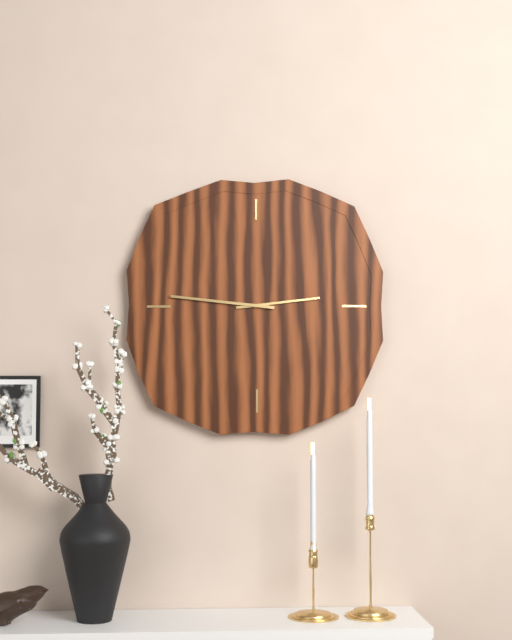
**2:46**
